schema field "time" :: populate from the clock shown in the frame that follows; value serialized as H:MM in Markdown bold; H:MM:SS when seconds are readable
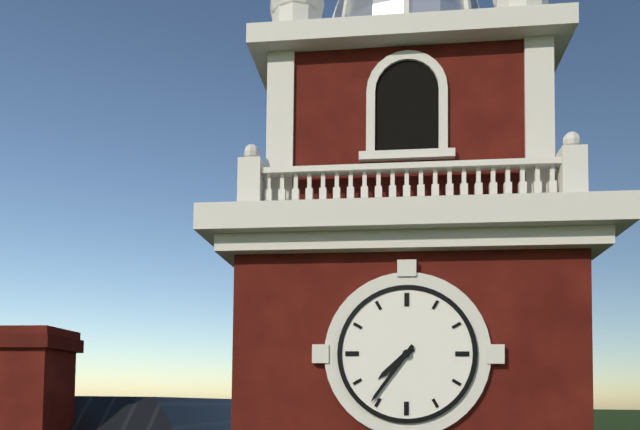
**7:36**
